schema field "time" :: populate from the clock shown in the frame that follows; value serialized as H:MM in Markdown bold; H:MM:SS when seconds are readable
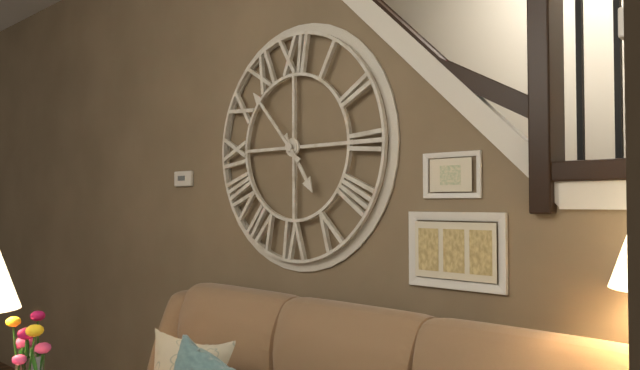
**4:53**
